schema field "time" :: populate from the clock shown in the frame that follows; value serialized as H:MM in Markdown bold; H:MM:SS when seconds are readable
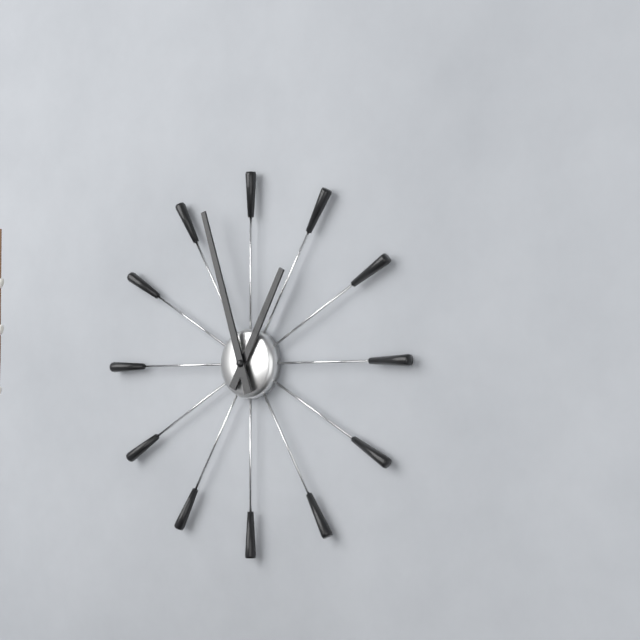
**12:57**
